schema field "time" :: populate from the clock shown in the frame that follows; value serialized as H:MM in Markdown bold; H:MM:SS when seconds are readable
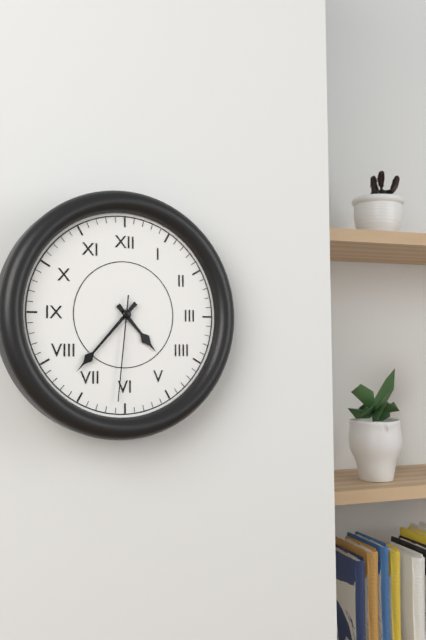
**4:37:31**
